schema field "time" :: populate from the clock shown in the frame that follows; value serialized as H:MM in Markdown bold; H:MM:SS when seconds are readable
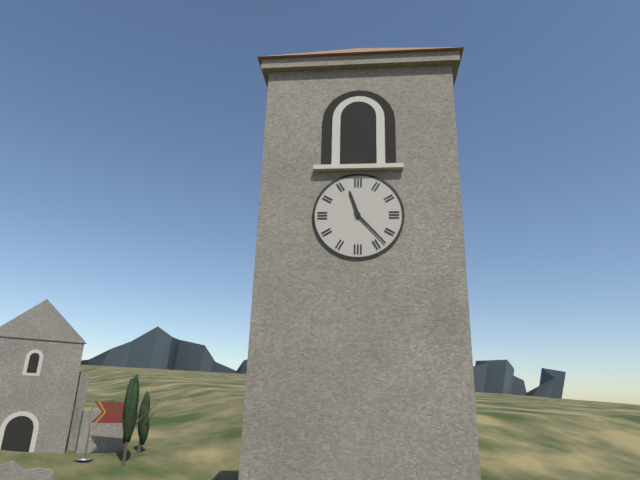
**11:23**
